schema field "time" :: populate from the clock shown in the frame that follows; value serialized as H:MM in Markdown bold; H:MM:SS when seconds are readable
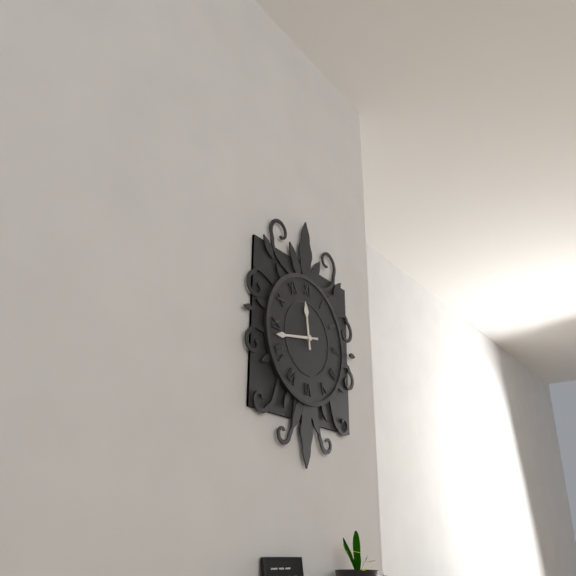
**11:43**
